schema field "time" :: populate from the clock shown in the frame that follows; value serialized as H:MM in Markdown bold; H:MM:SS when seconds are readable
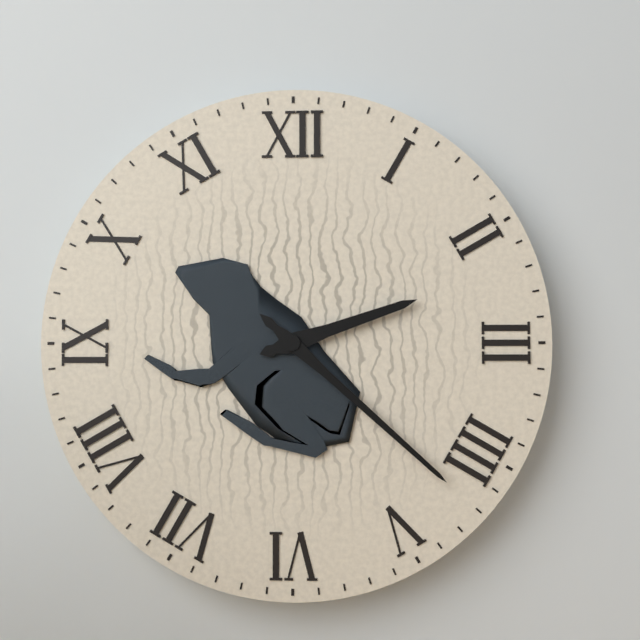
**2:22**
